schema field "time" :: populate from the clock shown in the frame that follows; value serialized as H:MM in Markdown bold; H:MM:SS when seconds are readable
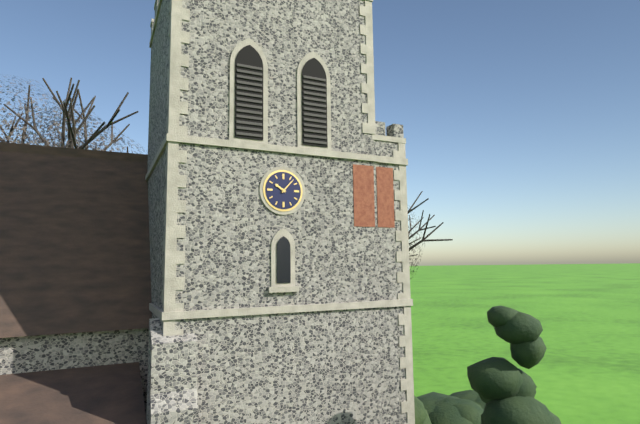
**10:07**
